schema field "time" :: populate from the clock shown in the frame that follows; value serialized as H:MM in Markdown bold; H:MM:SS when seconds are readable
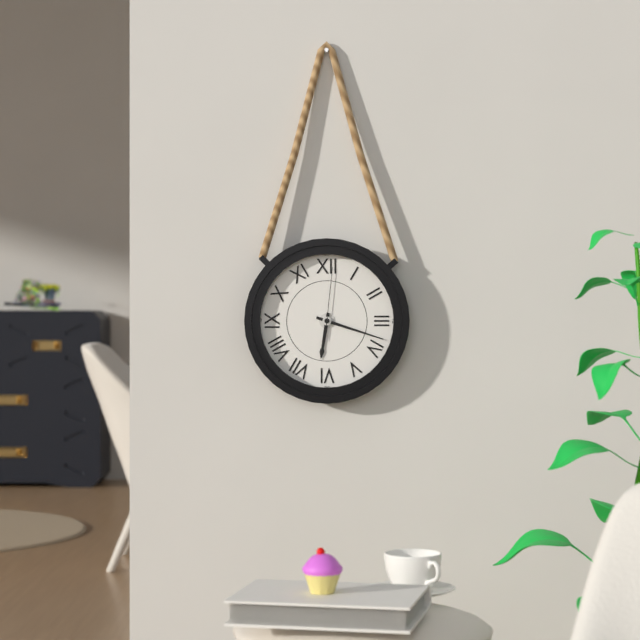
**6:18:01**
